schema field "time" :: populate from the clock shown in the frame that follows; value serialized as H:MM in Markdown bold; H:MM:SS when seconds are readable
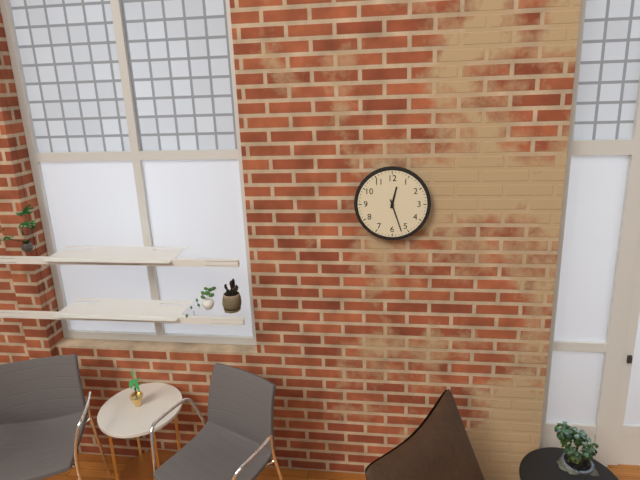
**12:27**
